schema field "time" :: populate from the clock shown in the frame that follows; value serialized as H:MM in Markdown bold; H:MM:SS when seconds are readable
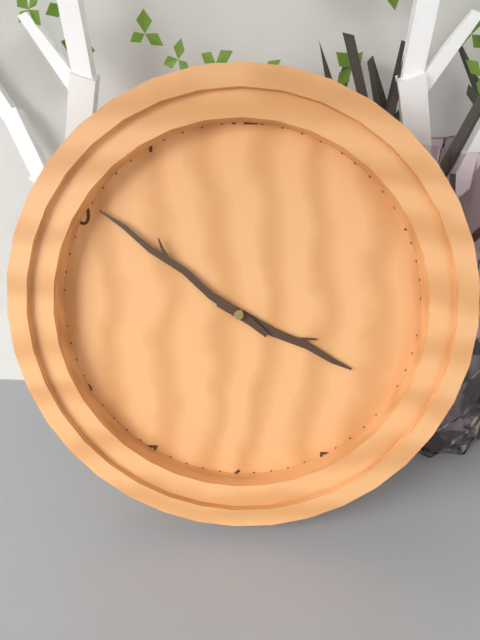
**3:51**
